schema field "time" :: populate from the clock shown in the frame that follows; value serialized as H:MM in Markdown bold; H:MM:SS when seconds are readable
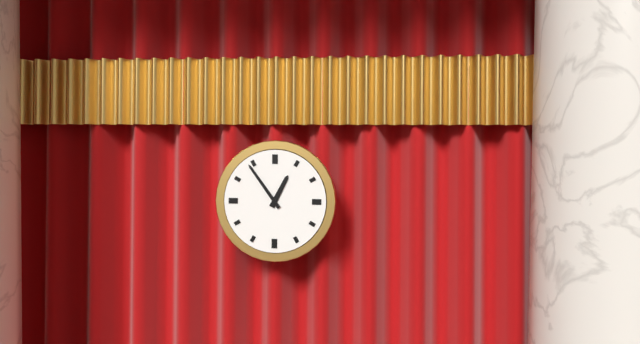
**12:54**
